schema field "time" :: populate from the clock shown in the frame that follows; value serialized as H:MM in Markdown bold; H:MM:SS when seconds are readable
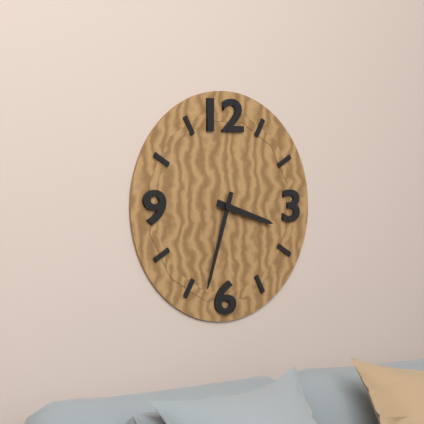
**3:33**
